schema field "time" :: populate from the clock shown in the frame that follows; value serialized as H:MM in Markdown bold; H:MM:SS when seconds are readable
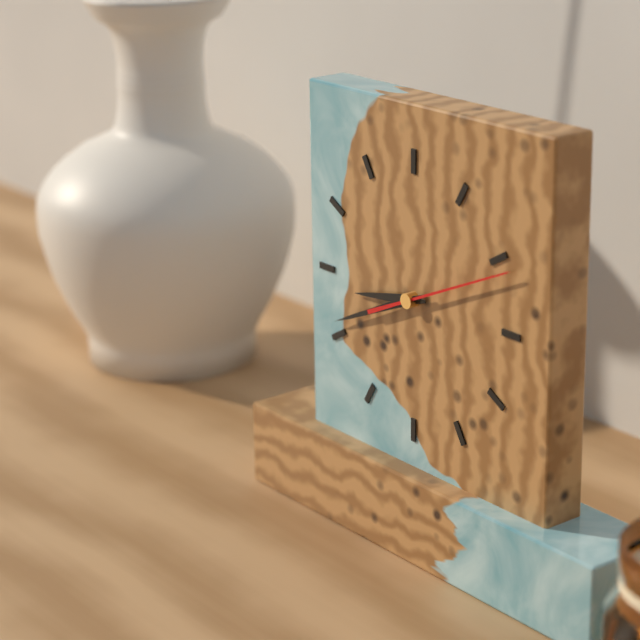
**8:41:11**
